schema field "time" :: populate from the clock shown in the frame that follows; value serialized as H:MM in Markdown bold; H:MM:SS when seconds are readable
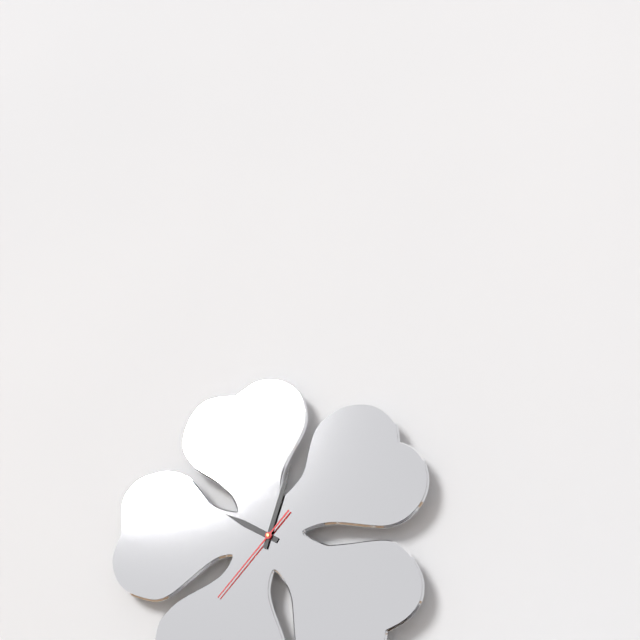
**10:03:37**
